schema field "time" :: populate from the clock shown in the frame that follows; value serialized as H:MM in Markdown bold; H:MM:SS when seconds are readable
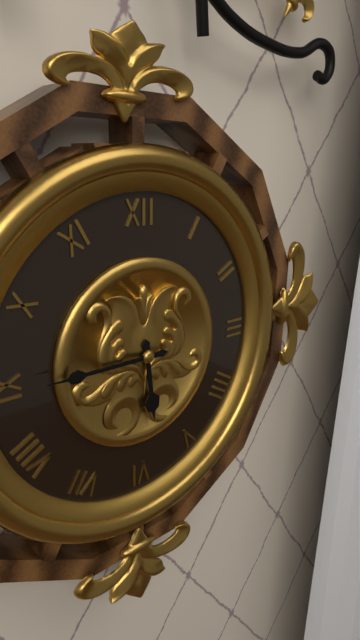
**5:45**
